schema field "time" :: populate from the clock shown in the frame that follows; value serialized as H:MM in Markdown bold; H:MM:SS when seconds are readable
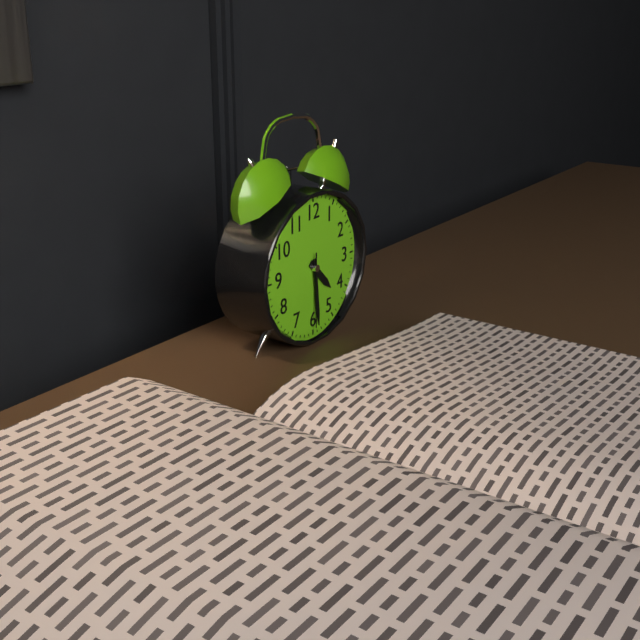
**4:29:30**
